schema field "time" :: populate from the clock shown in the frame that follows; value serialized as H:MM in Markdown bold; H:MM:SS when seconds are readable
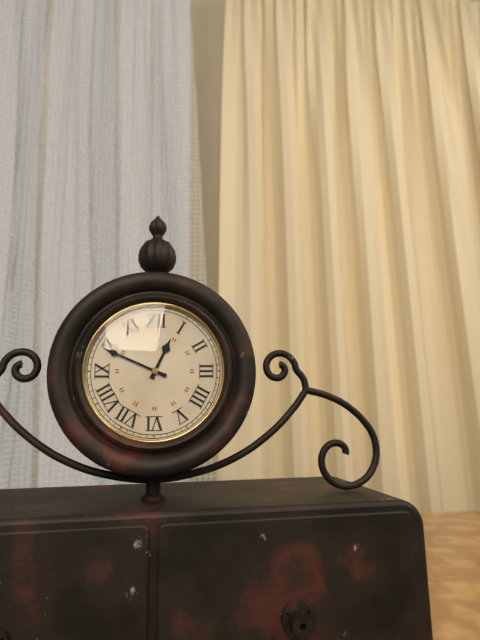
**12:49**
